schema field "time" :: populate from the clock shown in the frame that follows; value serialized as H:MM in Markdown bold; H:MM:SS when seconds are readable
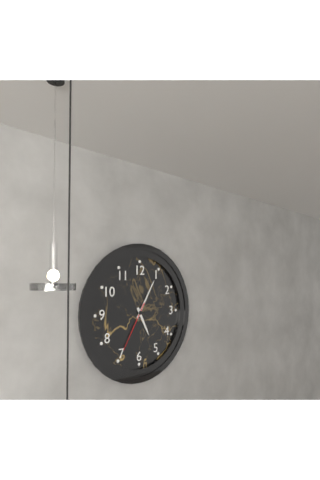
**5:05:35**
